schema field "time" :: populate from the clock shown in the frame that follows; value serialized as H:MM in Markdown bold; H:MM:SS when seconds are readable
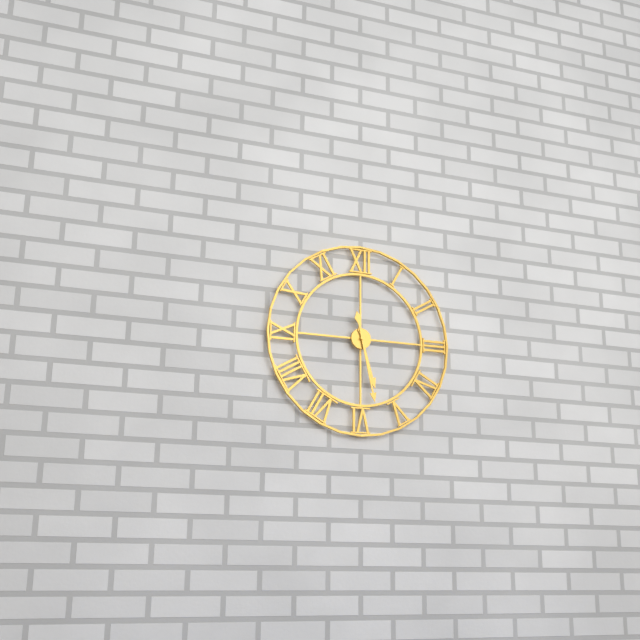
**5:28**
